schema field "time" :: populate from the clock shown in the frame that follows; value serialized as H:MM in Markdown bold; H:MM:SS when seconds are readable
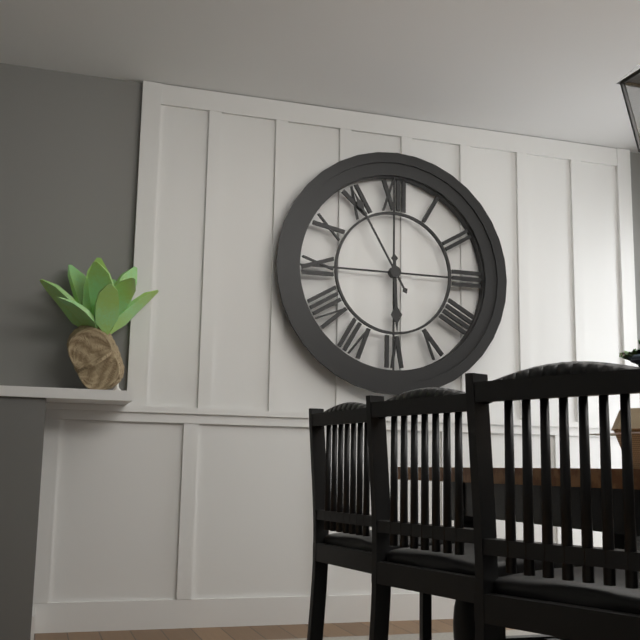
**5:55**
